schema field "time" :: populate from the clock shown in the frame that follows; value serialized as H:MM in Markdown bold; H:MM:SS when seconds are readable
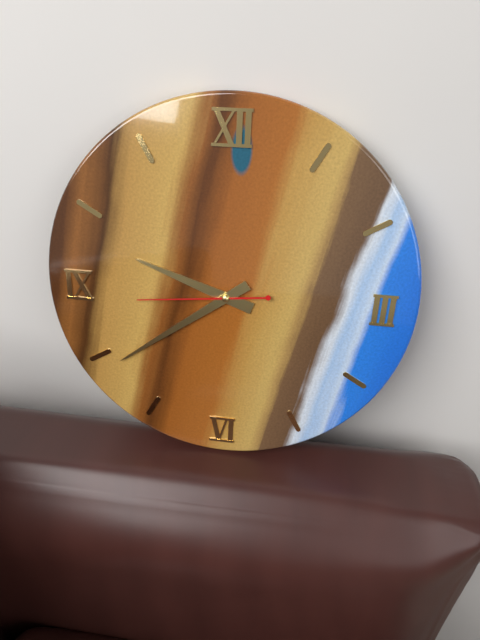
**9:39:44**
